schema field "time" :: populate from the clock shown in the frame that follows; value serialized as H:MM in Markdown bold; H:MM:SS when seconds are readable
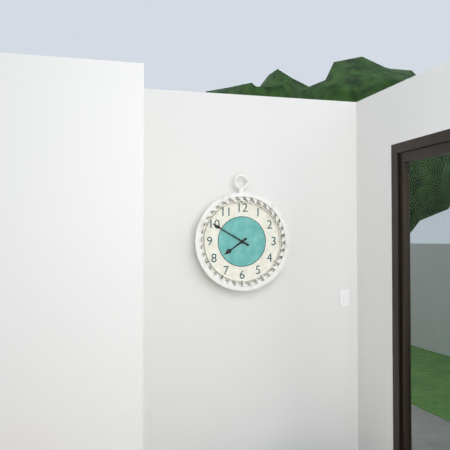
**7:50**
